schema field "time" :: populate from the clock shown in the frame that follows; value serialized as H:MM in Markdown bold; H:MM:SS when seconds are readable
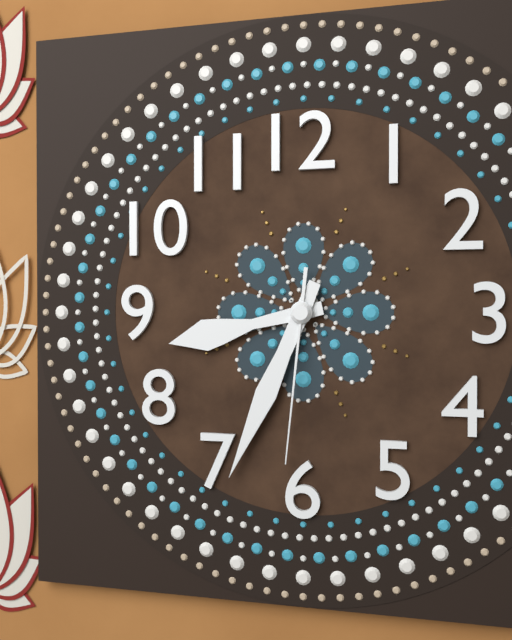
**8:34:31**
